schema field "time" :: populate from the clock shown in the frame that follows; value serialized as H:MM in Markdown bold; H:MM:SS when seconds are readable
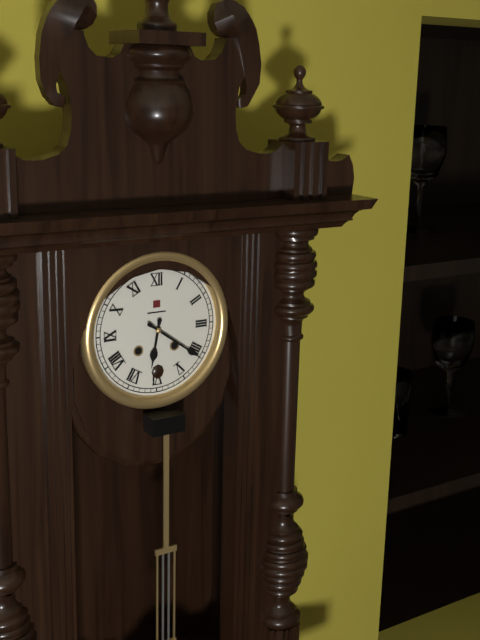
**6:21**
